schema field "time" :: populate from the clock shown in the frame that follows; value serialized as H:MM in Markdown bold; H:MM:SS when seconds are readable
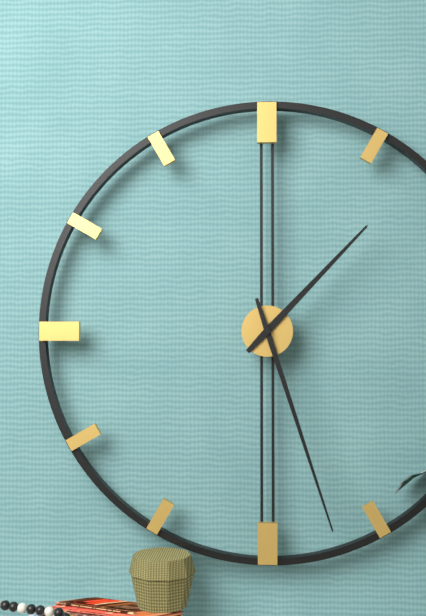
**1:27**
